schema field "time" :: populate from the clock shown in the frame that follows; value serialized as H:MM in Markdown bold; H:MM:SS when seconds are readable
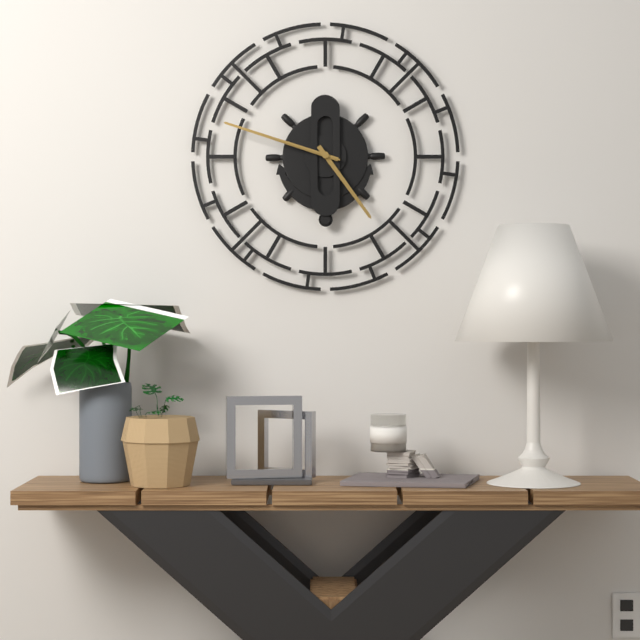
**4:48:48**
